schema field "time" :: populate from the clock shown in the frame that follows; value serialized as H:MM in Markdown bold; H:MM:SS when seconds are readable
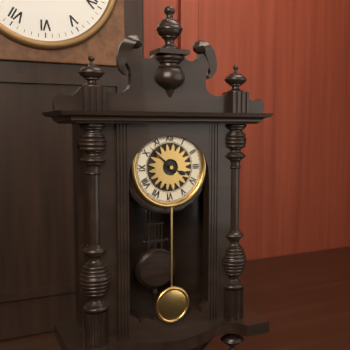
**3:52**
